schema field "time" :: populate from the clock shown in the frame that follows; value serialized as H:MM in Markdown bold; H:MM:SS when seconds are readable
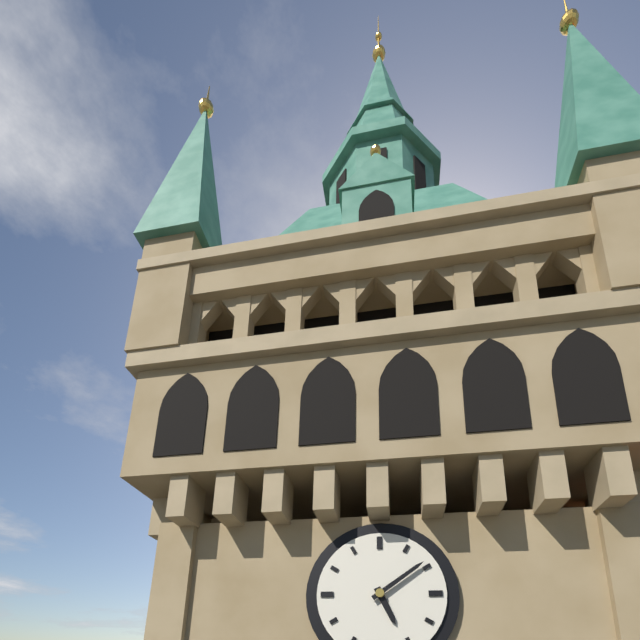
**5:09**
